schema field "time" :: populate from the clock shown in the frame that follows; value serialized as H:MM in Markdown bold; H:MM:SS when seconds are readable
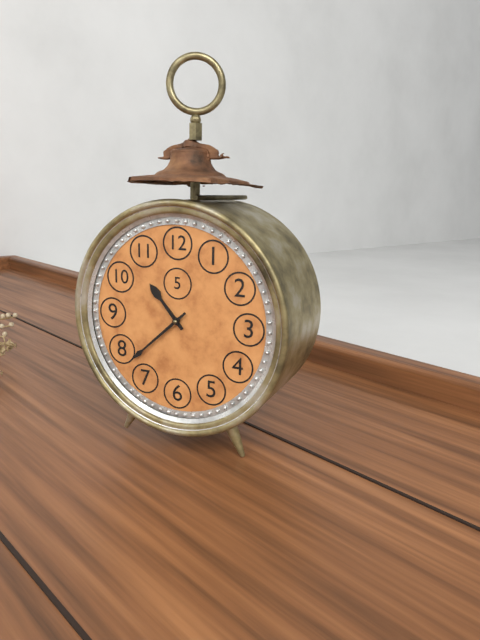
**10:38**
